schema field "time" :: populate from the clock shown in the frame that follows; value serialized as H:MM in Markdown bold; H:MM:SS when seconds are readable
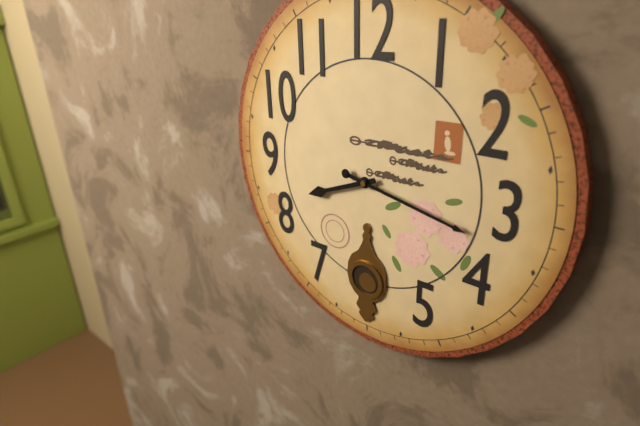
**8:17**
